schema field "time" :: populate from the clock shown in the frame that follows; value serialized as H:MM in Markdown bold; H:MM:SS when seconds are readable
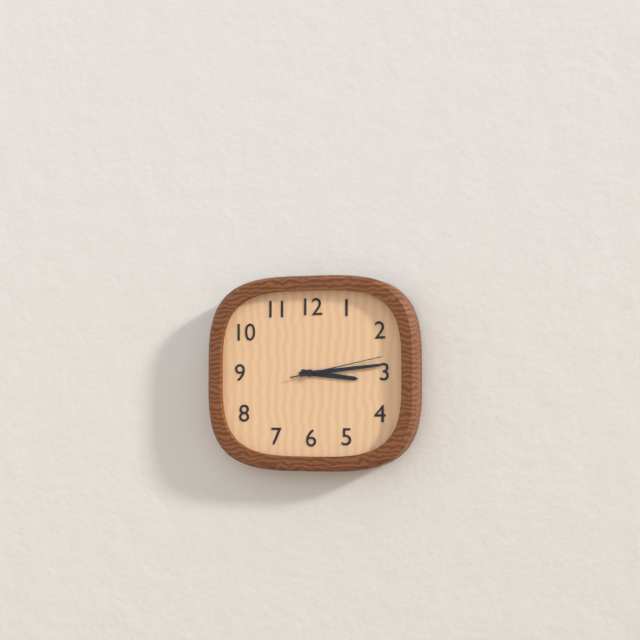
**3:14:13**
